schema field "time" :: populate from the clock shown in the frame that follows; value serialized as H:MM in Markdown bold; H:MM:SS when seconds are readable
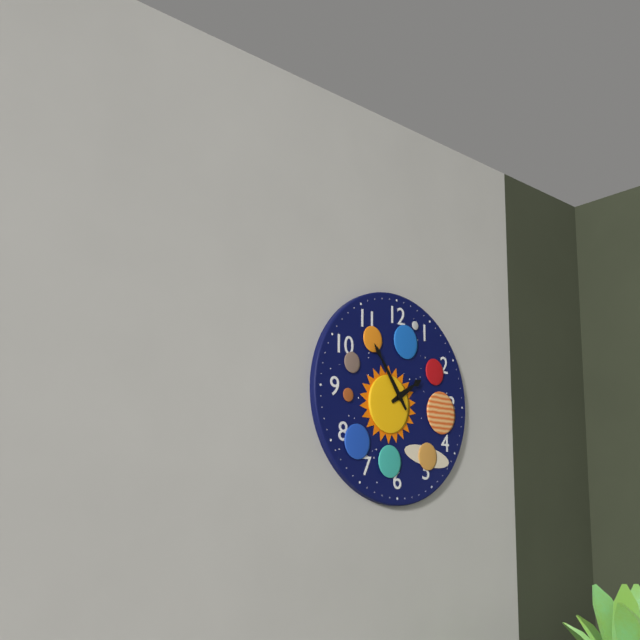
**1:54**
